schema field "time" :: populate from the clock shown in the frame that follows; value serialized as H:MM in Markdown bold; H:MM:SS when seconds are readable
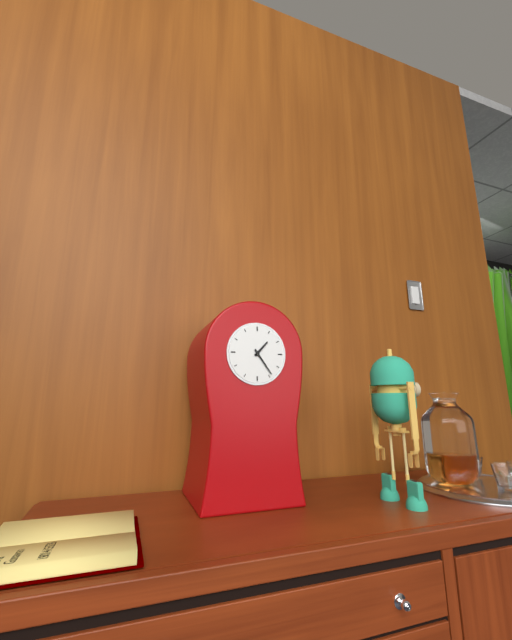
**1:24**
